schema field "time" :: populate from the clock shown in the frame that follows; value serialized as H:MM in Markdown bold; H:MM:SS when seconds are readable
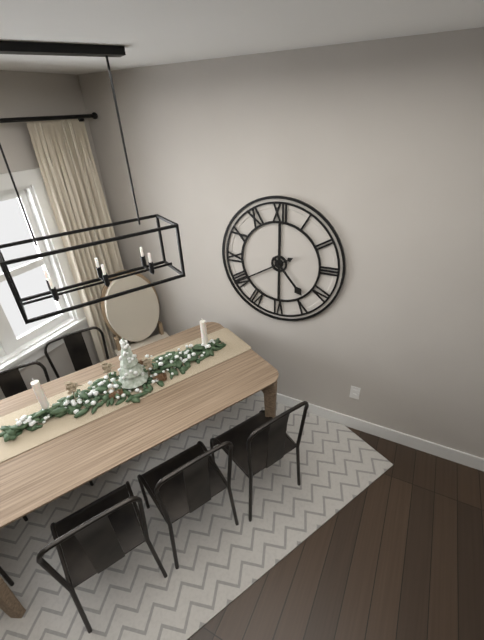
**4:40**
